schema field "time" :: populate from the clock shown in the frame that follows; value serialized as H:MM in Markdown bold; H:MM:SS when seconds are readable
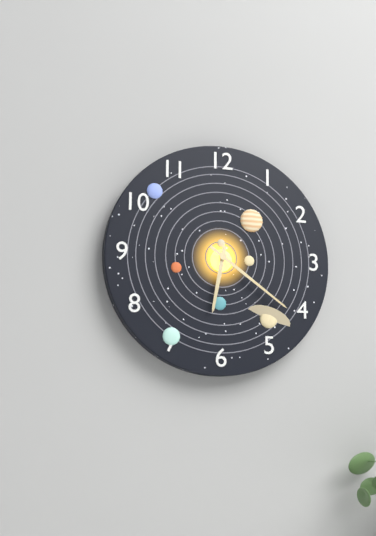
**6:21**
